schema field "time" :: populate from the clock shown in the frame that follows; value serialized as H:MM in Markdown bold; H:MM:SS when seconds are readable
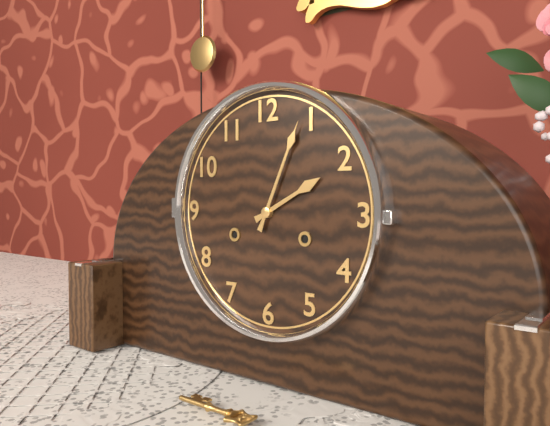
**2:04**
